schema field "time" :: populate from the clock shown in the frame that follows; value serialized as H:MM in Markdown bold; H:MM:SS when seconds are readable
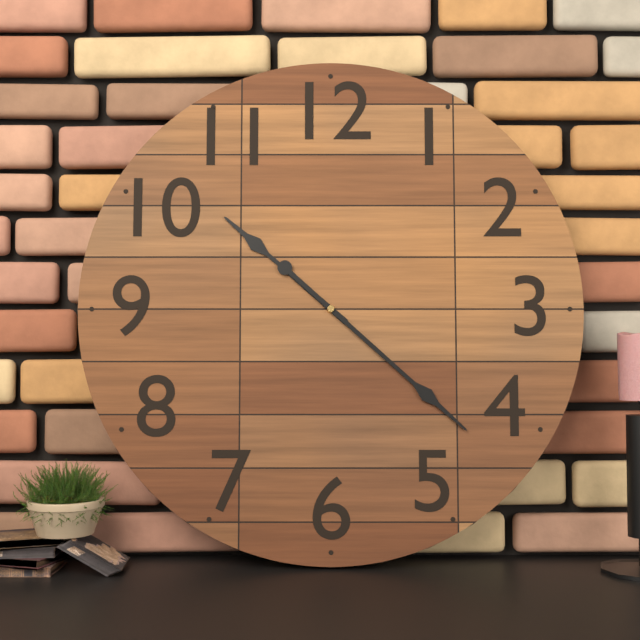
**10:22**
